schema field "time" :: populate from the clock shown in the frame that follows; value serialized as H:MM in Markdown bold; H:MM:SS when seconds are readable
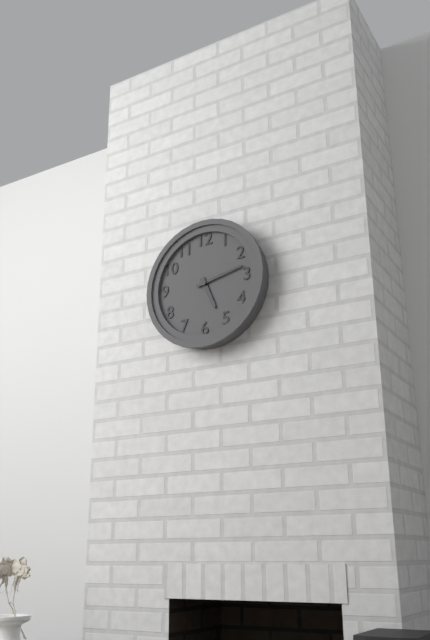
**5:13**
